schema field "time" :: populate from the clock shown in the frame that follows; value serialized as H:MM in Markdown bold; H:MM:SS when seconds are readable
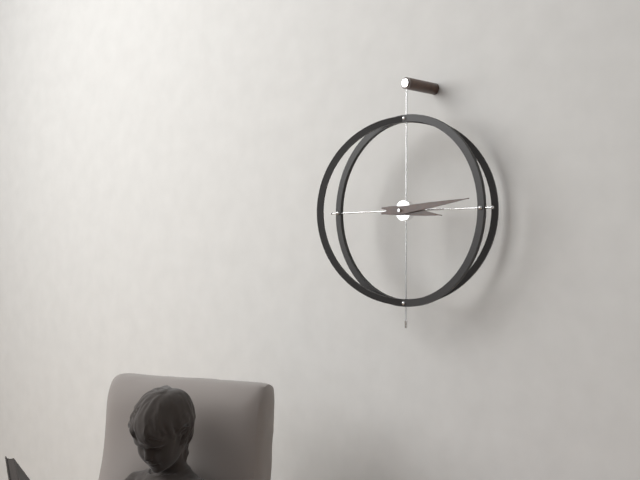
**3:14**
